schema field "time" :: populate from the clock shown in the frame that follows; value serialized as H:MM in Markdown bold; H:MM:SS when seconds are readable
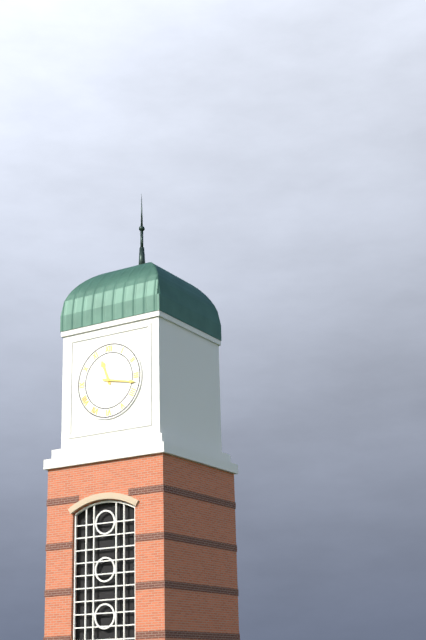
**11:17**
